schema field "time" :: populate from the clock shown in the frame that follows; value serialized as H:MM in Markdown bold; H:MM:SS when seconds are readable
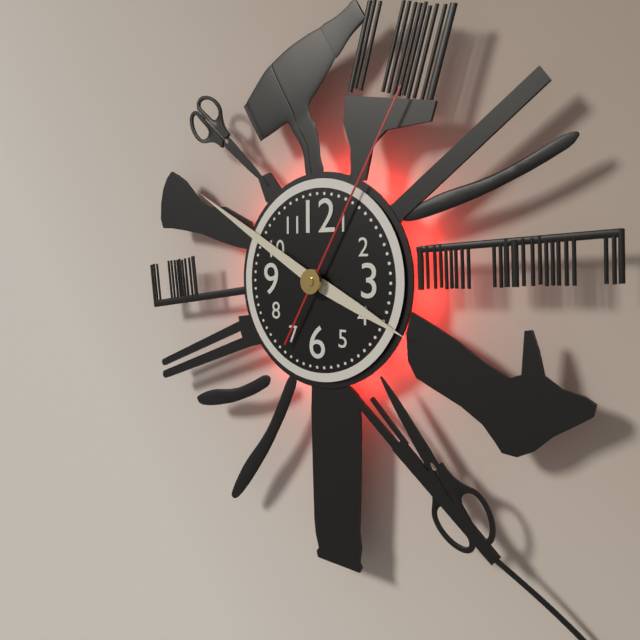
**3:50:05**
